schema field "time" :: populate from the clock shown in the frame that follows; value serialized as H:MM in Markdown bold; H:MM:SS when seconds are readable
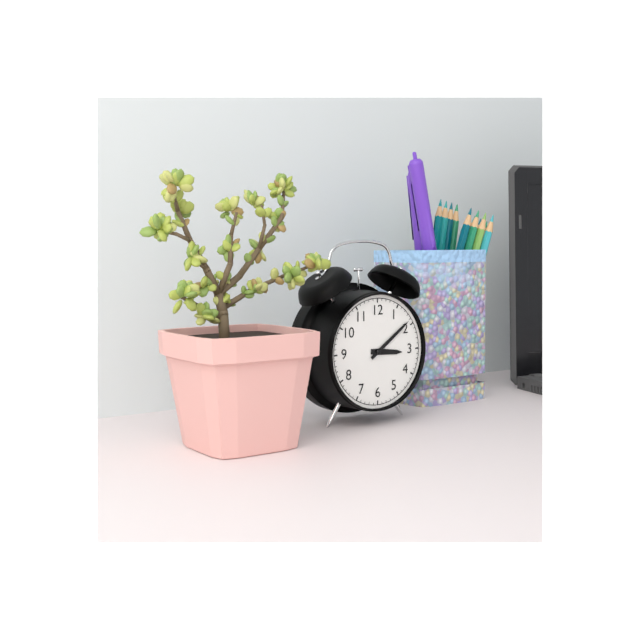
**3:09**
